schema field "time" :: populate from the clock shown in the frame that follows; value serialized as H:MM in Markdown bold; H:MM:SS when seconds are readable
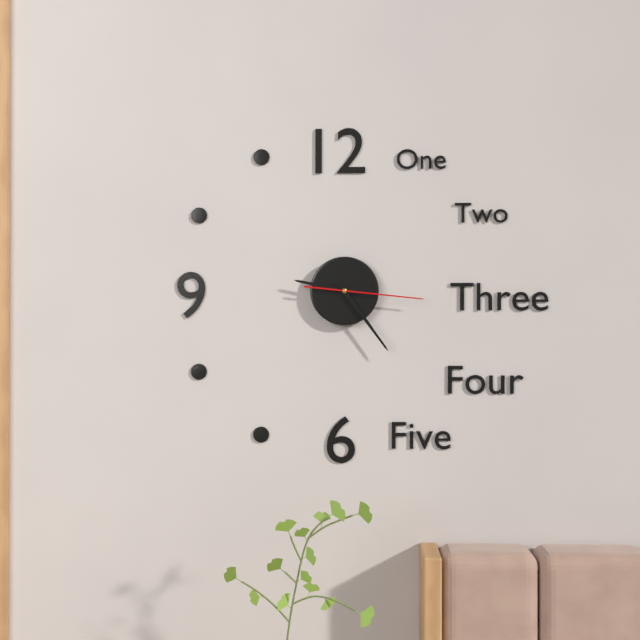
**9:24:16**
